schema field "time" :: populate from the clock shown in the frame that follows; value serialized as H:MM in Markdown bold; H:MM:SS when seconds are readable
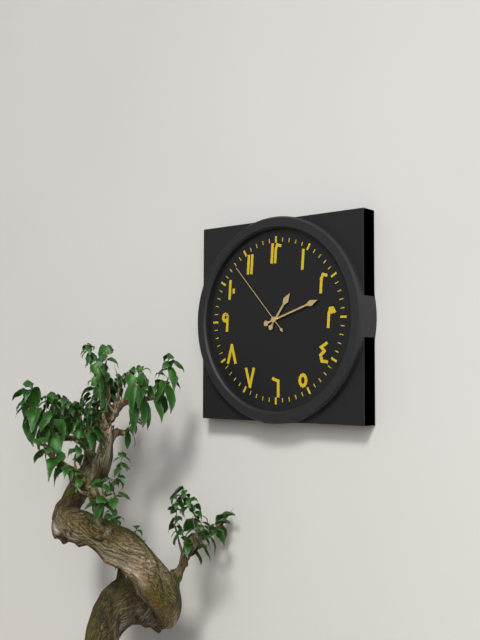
**1:12:53**
